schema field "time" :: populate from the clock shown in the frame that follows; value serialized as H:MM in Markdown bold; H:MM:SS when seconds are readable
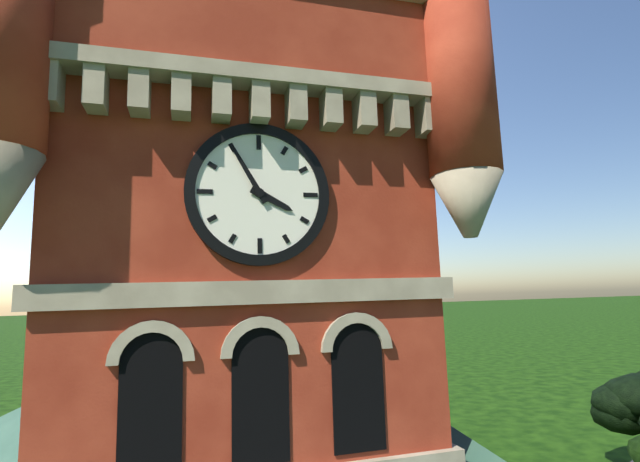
**3:55**
